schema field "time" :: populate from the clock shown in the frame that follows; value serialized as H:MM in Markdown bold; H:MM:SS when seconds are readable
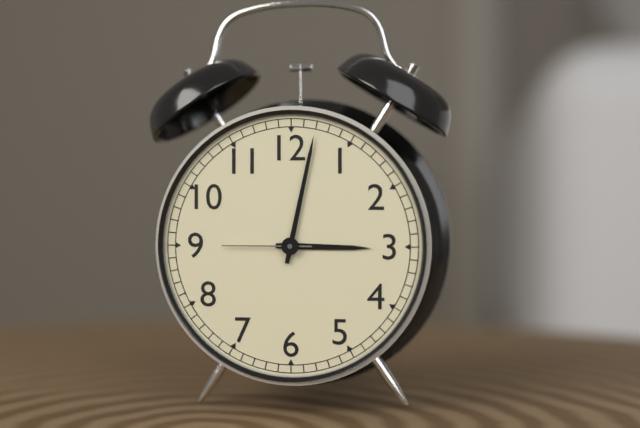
**3:02:45**
